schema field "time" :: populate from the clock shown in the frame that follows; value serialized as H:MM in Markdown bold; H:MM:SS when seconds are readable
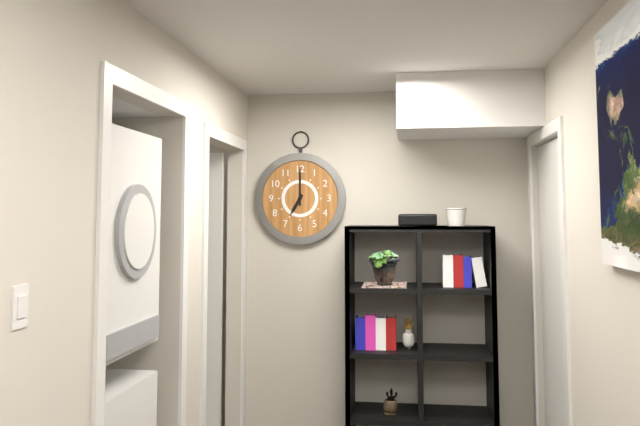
**7:00**
